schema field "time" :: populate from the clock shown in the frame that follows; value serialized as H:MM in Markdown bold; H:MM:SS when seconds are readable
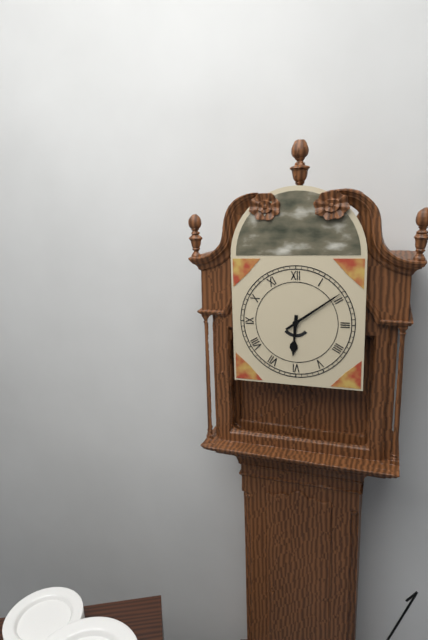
**6:09**
